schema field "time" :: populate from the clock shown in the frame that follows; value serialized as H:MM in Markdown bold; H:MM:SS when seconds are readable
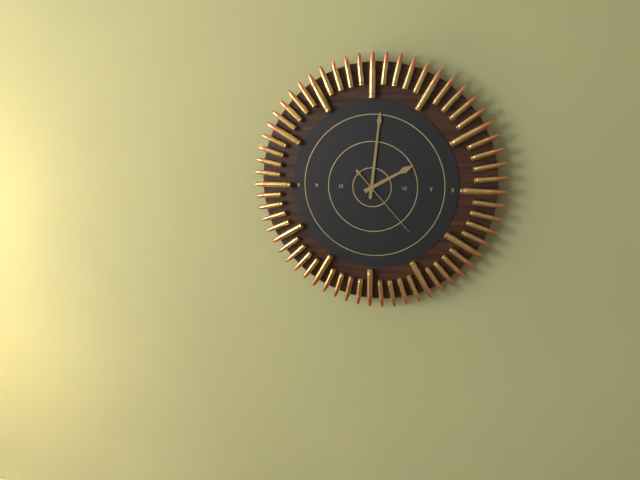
**2:01:23**
